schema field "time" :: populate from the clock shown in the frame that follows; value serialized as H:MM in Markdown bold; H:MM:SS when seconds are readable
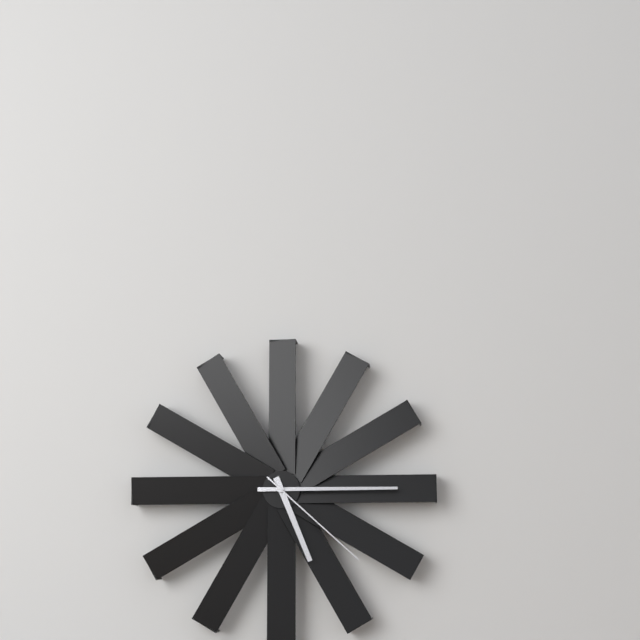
**5:15:22**
